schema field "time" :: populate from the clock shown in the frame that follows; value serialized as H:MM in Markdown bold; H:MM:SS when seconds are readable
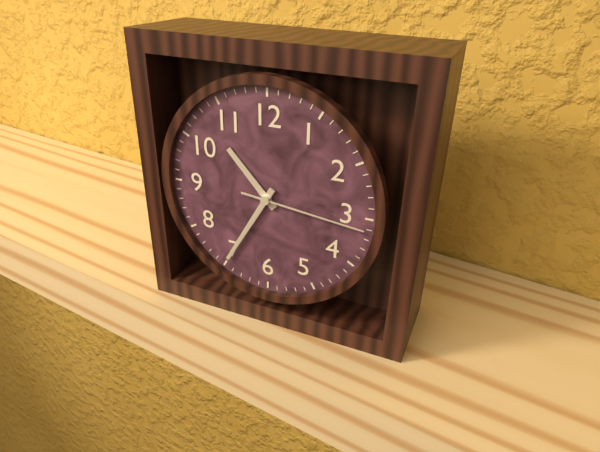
**10:35:16**
